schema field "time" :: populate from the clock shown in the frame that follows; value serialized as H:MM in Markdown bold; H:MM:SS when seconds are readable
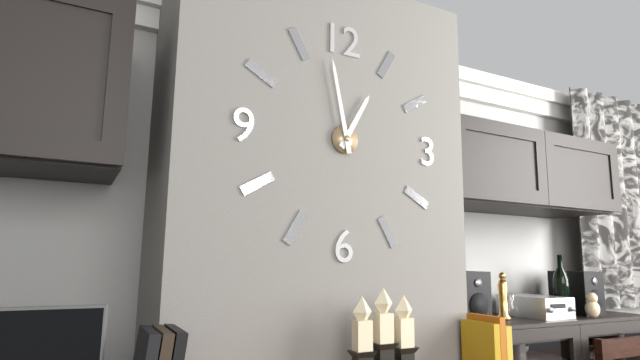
**12:58**
